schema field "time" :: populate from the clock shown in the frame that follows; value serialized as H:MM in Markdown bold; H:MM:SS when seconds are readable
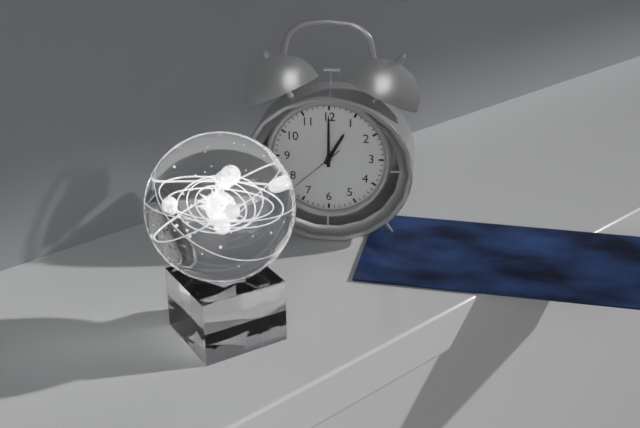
**1:00:38**
